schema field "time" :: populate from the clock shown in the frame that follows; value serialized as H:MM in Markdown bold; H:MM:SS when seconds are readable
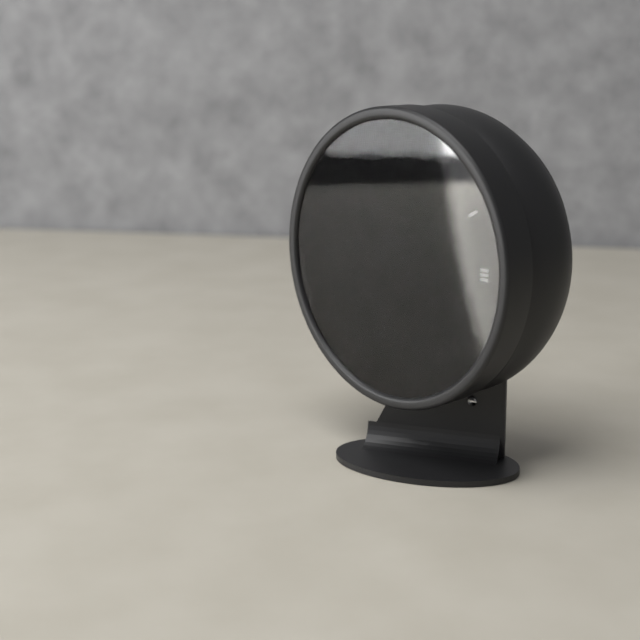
**6:19:54**
